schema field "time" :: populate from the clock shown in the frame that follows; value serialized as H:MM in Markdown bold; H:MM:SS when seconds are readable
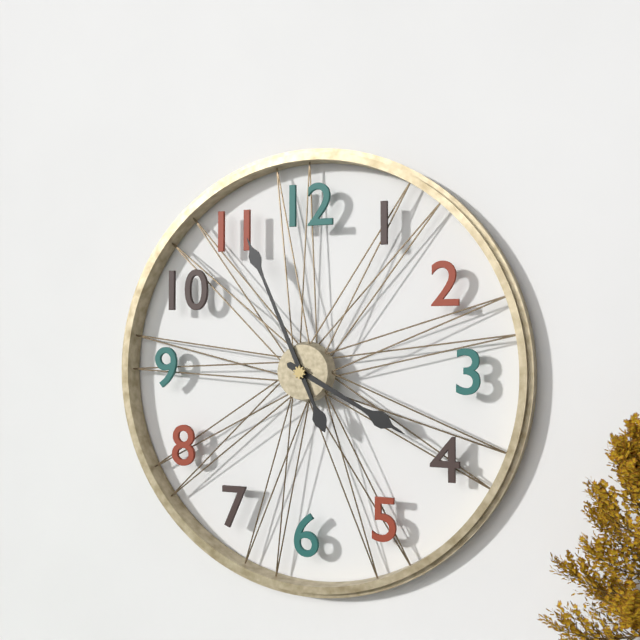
**3:56**
